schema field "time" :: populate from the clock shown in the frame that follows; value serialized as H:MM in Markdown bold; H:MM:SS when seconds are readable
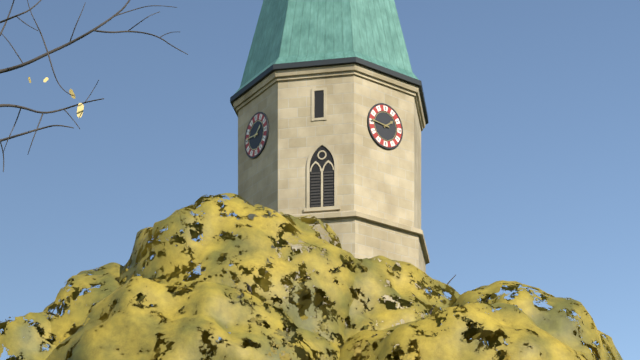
**1:46**
